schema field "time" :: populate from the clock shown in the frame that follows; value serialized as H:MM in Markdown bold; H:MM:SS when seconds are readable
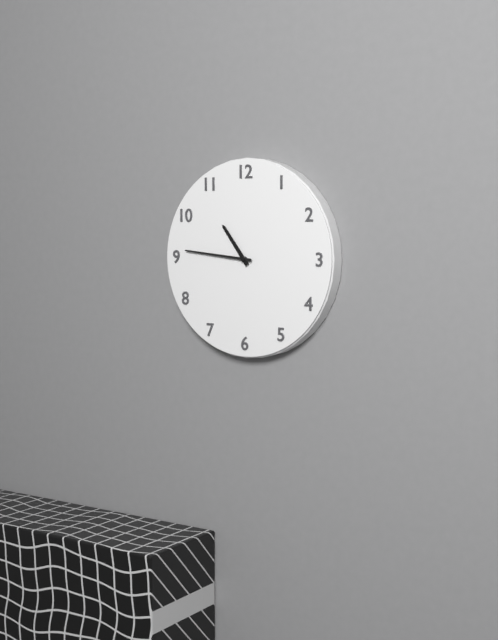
**10:46**
